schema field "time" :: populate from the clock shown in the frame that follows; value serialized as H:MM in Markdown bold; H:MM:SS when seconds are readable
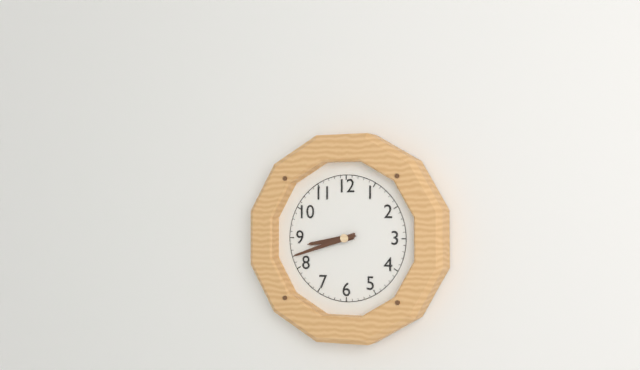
**8:42**
